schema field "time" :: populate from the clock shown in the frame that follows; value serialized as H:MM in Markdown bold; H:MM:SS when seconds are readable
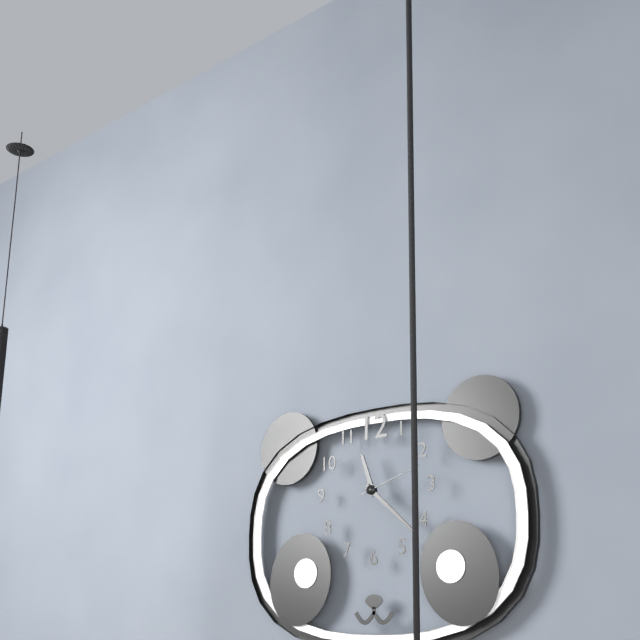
**11:22:12**
